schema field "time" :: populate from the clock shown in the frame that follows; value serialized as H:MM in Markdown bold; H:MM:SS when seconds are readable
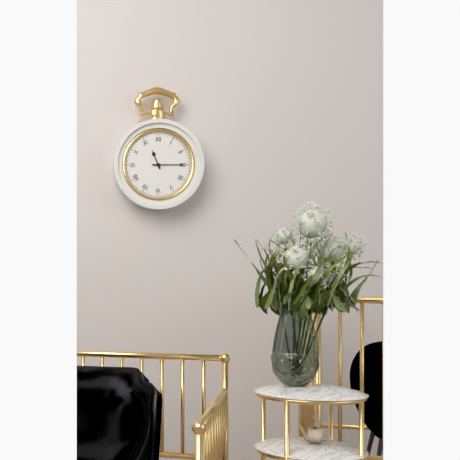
**11:15**
